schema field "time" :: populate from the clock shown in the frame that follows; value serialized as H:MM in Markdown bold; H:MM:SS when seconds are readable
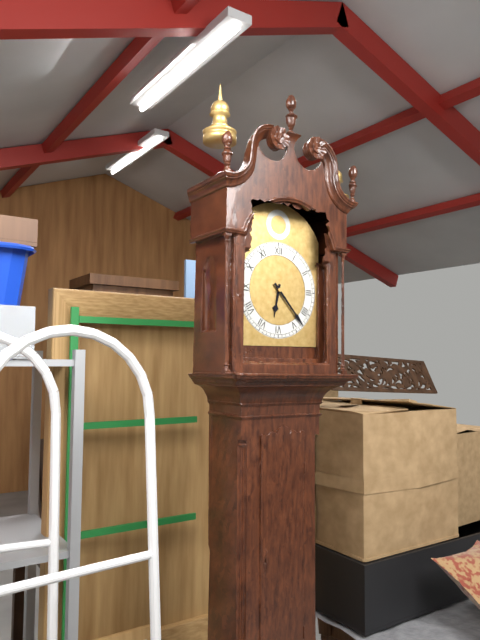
**6:23**
